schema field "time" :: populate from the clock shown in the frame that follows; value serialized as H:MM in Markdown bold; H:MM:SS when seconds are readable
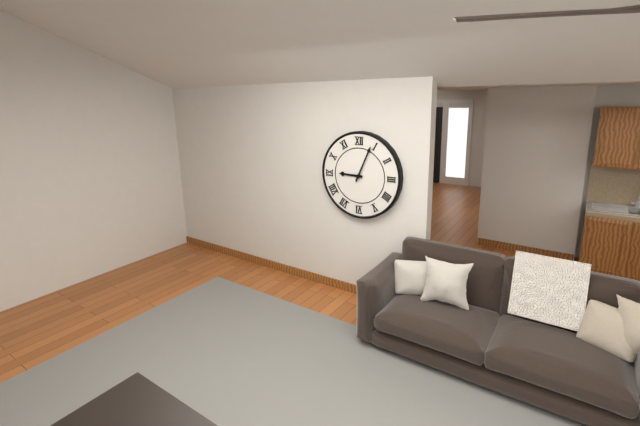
**9:04**
